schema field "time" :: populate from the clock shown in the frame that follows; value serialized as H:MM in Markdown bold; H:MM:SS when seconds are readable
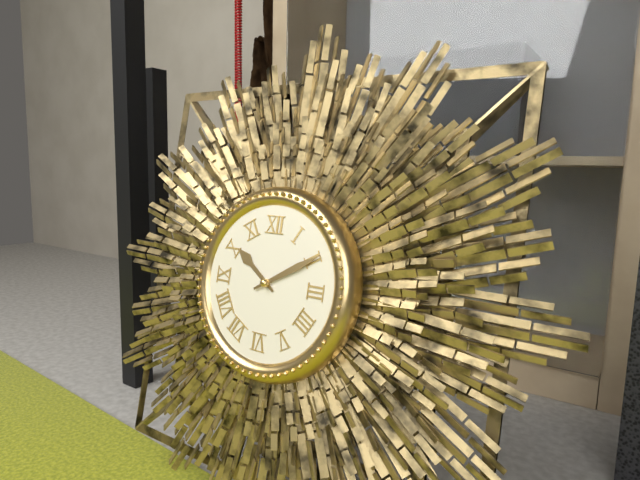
**10:10**
